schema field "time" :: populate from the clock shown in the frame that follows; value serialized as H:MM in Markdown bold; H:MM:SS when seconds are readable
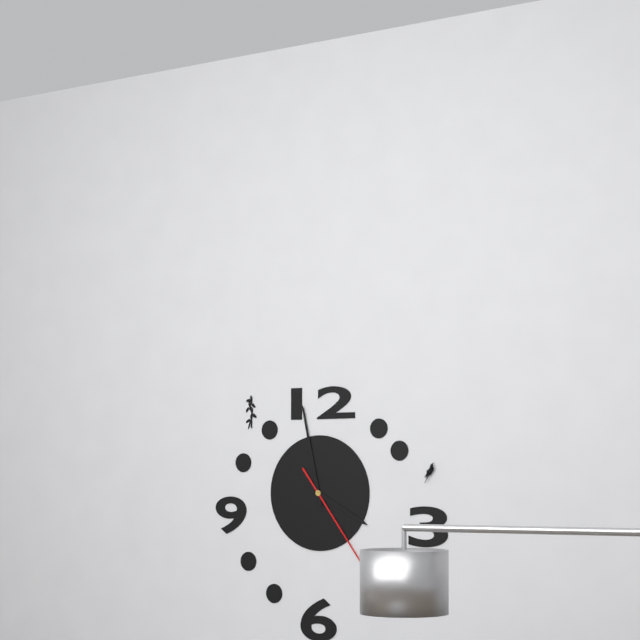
**3:58:24**
